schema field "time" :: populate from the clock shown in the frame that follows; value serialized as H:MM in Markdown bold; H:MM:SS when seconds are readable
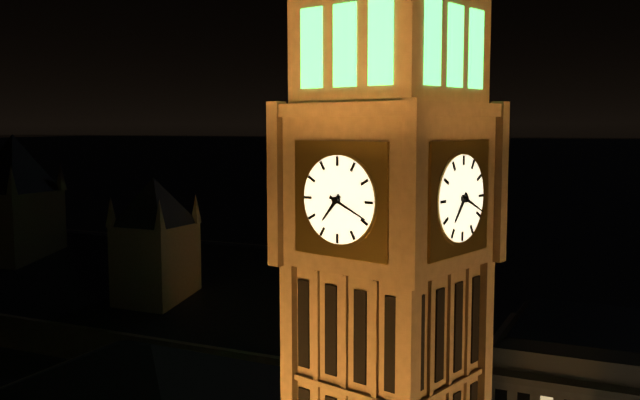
**7:19**
